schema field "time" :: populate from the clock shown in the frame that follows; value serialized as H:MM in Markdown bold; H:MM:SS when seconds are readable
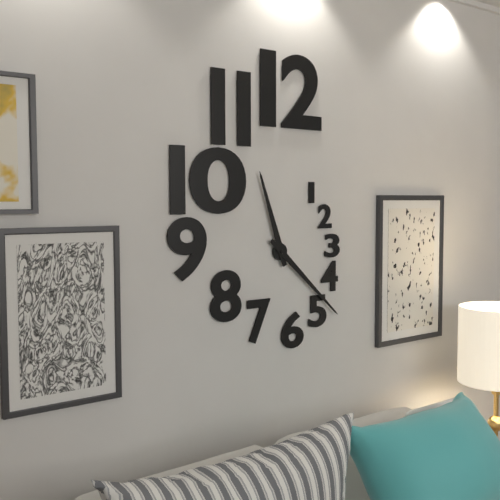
**11:22**
